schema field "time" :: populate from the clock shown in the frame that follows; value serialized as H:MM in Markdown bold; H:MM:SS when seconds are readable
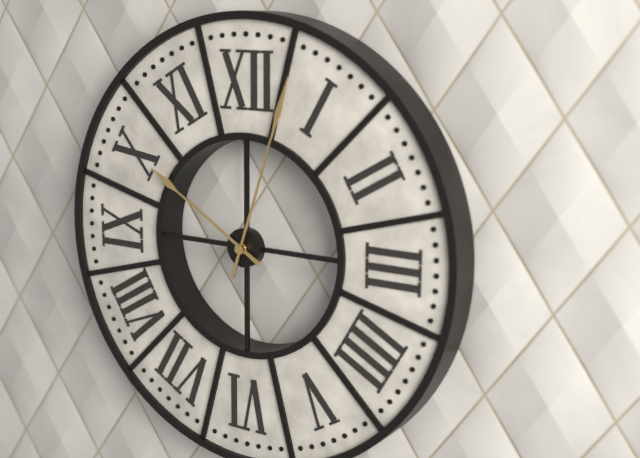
**10:03**
